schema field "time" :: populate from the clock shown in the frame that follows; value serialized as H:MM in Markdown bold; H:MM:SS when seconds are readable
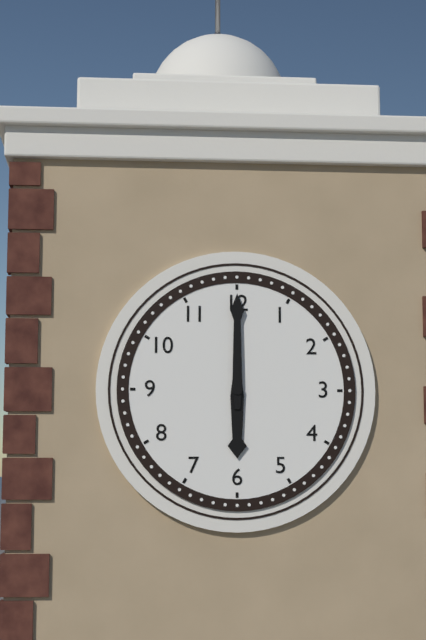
**6:00**
